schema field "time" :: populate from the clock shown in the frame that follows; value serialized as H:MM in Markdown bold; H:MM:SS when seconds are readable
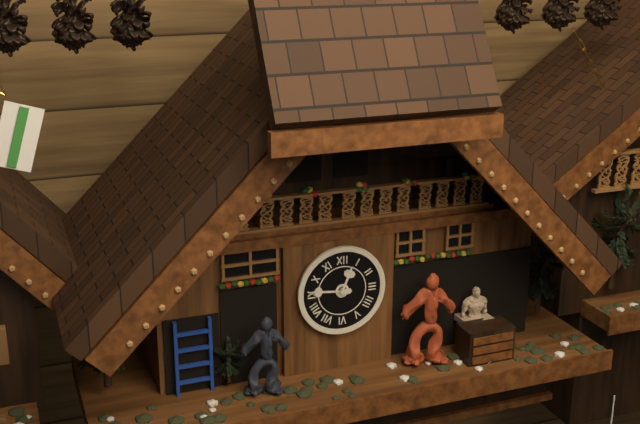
**12:46**
